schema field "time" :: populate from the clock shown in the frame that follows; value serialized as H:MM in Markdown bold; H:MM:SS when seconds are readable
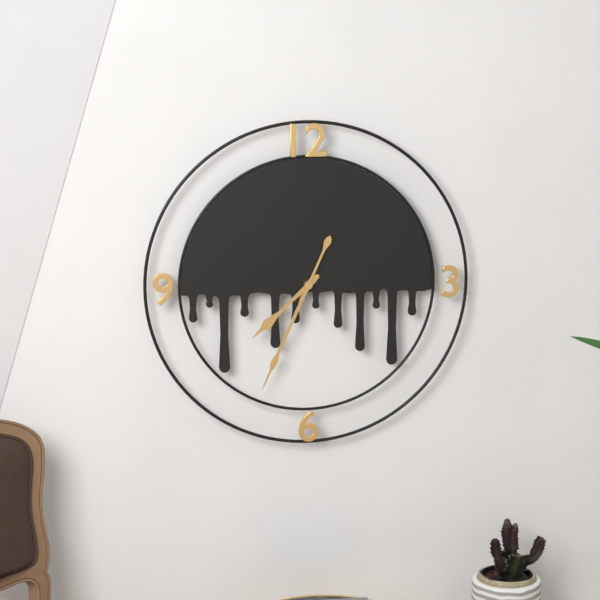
**7:34**
